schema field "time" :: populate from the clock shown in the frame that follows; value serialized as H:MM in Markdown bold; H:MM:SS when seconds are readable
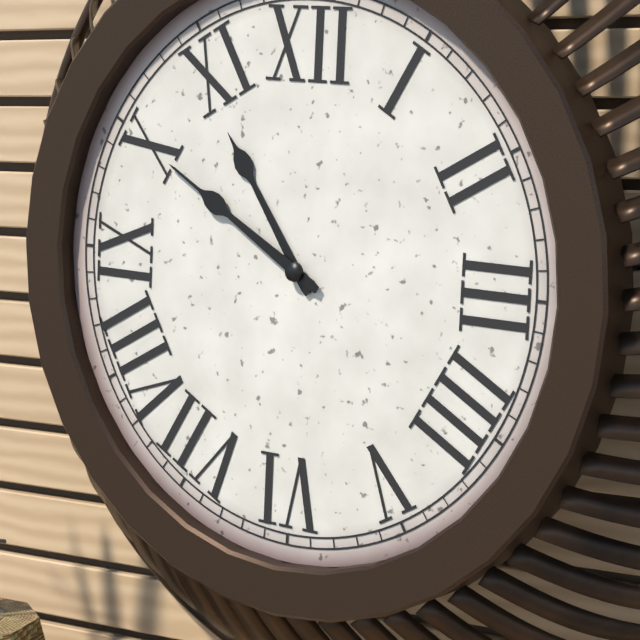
**10:50**
